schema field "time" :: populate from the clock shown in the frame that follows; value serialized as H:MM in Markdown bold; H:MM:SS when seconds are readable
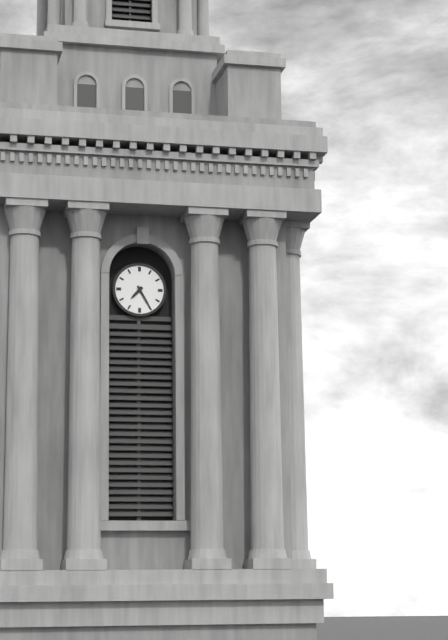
**7:25**
